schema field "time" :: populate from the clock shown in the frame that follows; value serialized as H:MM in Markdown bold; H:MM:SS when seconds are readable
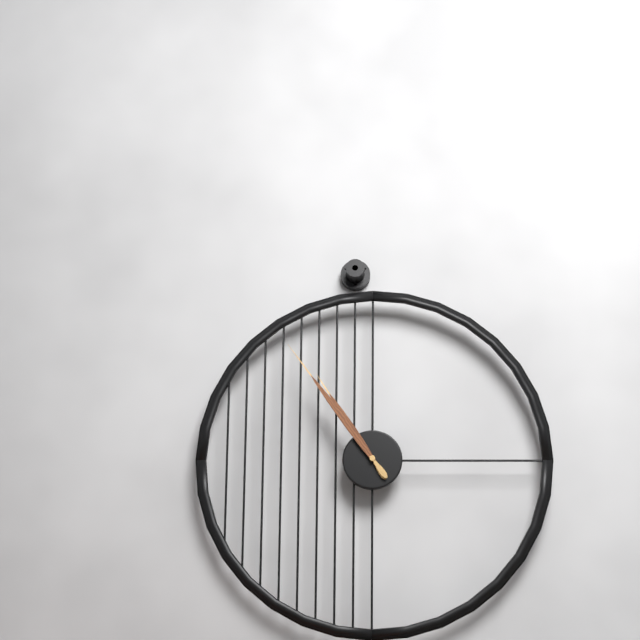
**10:54**
